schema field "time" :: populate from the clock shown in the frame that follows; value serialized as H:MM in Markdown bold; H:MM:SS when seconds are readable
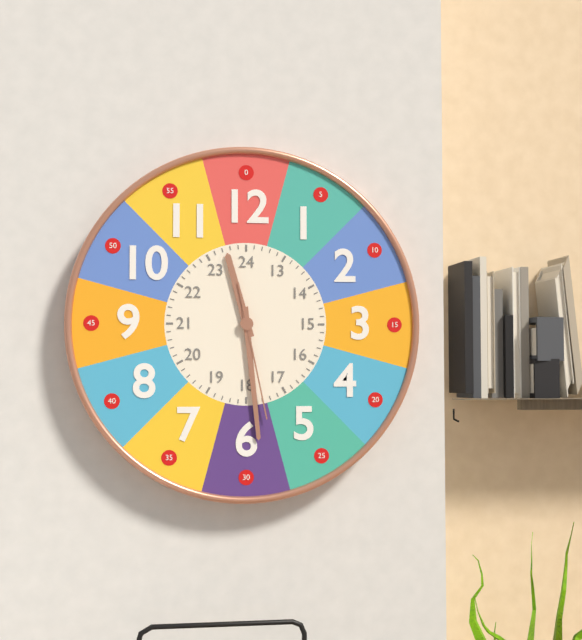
**11:29:28**
